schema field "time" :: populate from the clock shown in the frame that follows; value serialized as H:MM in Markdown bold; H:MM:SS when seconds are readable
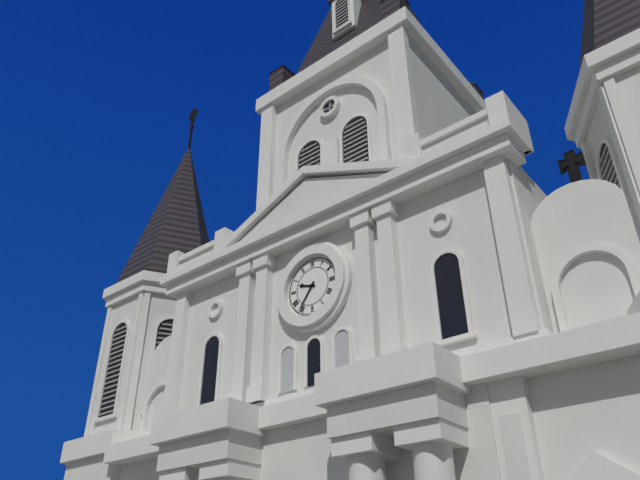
**9:36**
